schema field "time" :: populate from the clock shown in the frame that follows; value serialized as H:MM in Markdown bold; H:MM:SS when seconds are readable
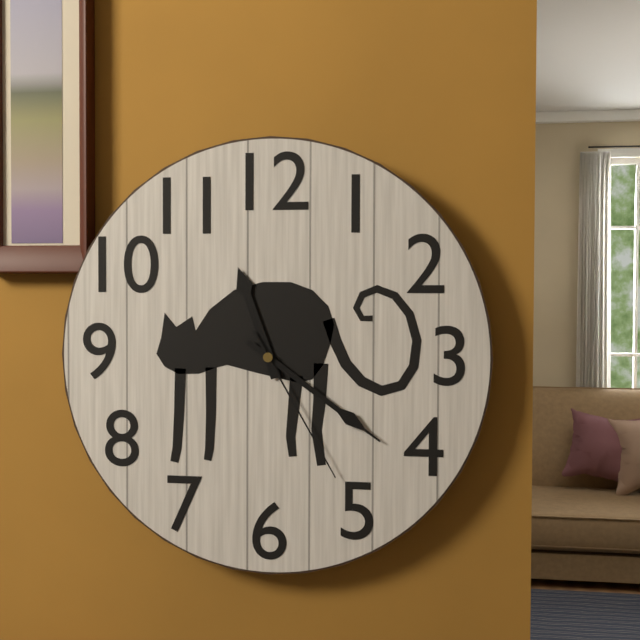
**11:21:25**
